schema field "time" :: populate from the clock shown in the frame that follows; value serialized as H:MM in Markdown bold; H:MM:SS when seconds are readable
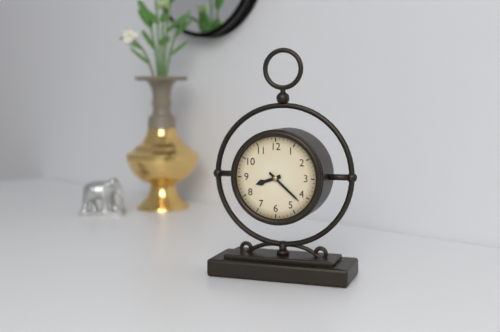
**8:22**
